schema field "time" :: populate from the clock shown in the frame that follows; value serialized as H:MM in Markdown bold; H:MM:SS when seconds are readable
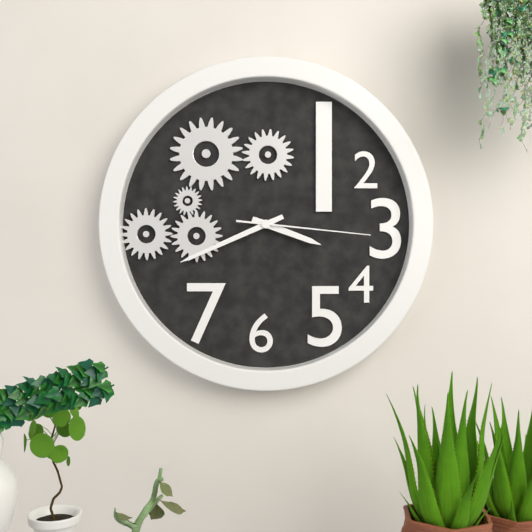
**3:41:16**
